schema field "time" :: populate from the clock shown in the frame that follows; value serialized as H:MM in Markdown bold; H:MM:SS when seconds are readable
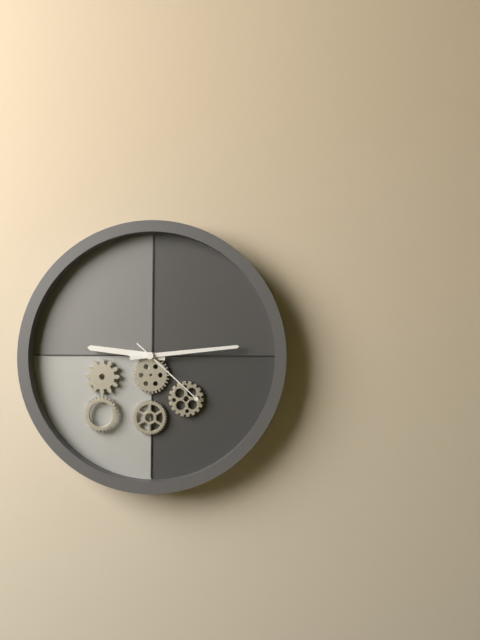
**9:14:22**
